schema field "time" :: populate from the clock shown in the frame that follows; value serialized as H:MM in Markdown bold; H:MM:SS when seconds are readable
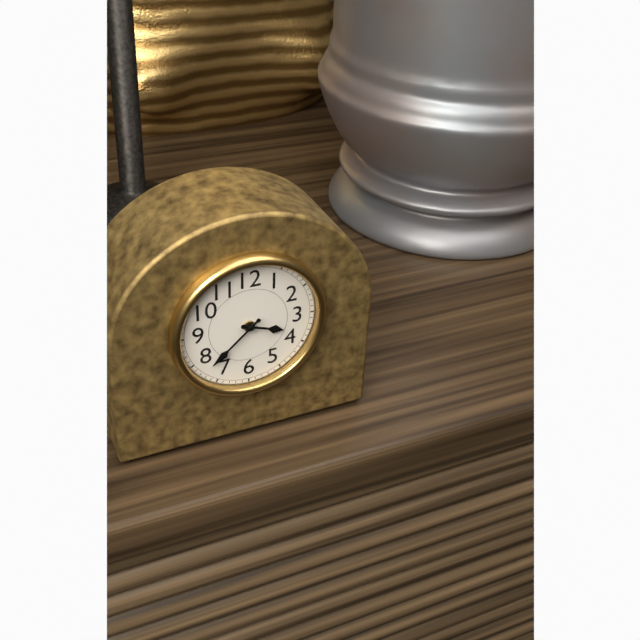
**3:38**
